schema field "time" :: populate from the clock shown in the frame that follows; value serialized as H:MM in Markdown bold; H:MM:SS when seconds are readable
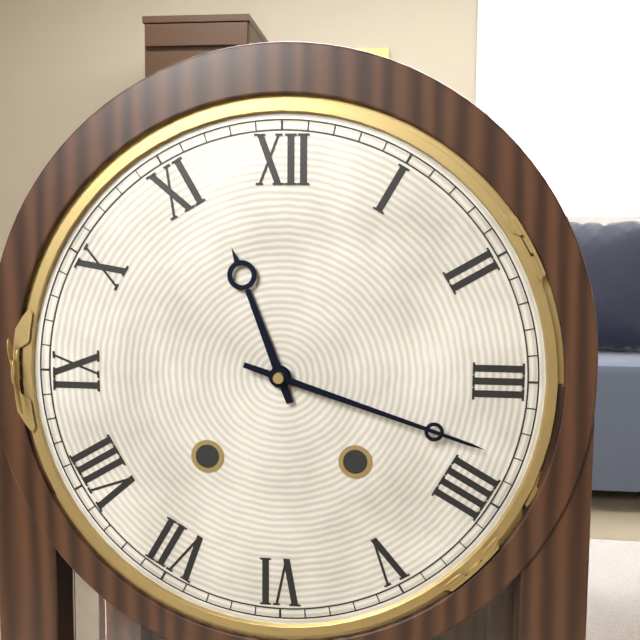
**11:18**
